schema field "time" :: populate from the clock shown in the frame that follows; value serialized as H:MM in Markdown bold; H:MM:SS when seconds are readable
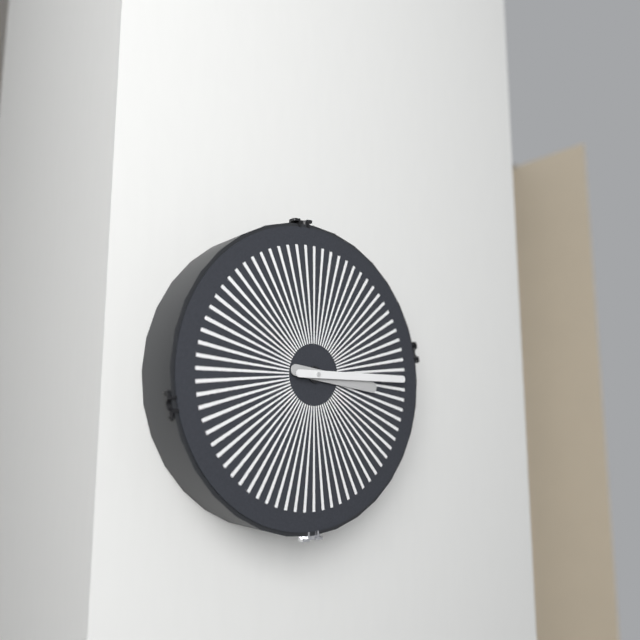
**3:15**
